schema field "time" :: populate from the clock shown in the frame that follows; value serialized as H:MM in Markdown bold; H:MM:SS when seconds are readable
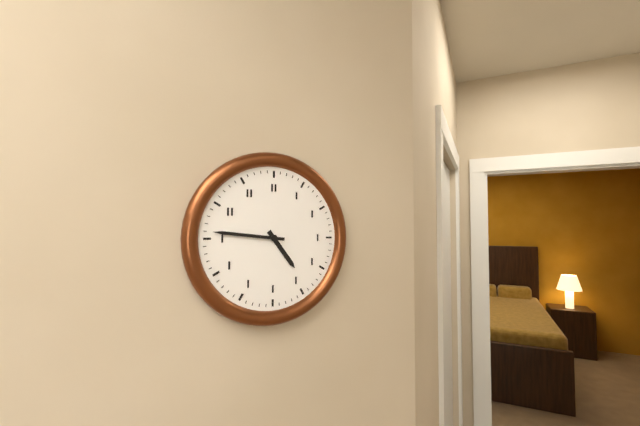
**4:46**
